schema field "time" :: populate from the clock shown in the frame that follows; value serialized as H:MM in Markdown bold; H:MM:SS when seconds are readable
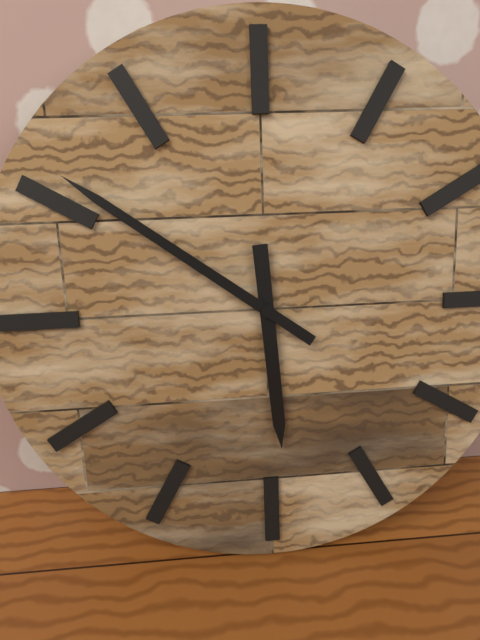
**5:51**
